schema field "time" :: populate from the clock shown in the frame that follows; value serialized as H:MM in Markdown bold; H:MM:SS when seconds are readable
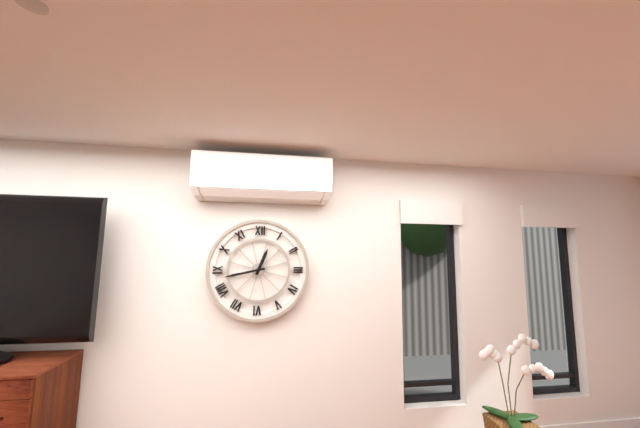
**12:43**
